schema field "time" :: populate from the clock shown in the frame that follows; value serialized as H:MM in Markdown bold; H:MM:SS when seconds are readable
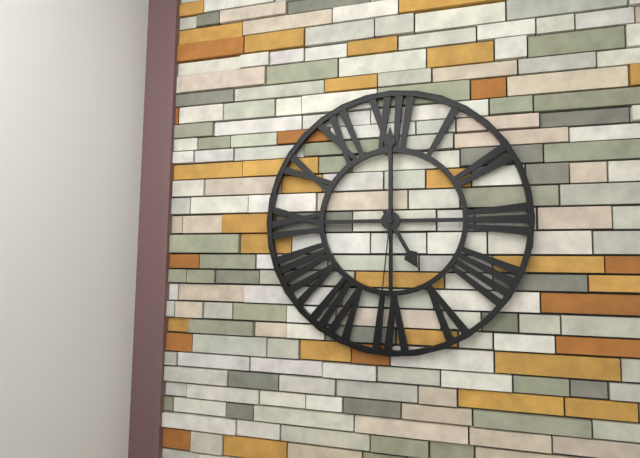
**5:00:31**
